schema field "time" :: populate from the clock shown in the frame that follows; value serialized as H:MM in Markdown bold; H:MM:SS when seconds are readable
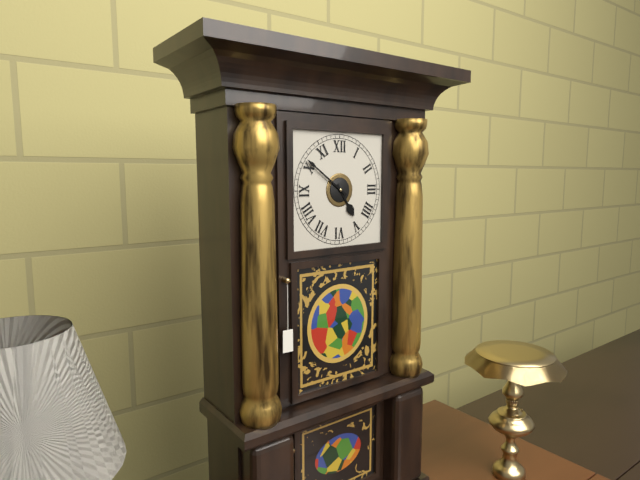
**4:51**
